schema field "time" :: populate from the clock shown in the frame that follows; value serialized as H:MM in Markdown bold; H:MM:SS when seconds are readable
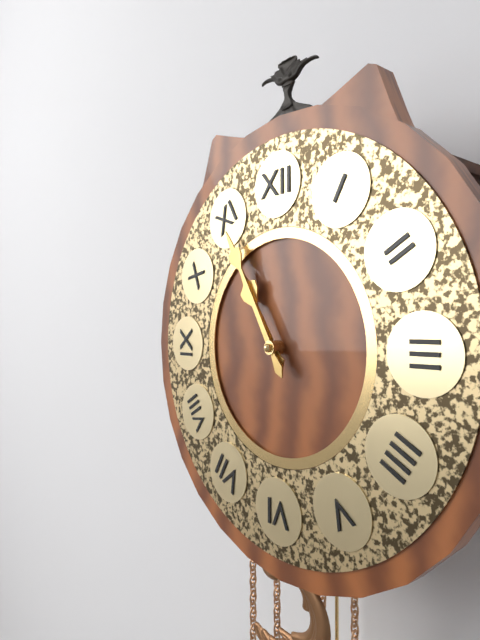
**10:55**
